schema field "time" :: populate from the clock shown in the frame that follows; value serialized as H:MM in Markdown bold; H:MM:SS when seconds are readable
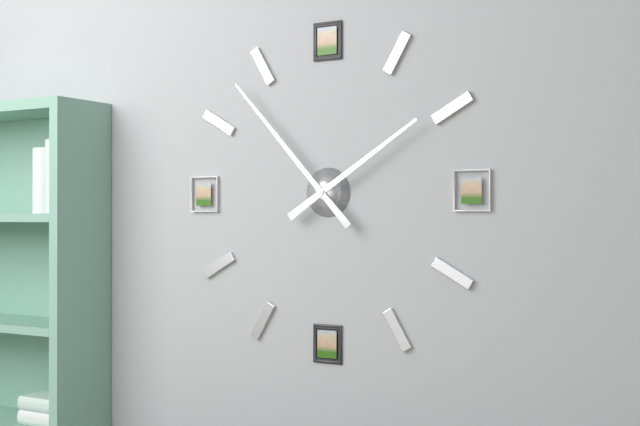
**1:53**
